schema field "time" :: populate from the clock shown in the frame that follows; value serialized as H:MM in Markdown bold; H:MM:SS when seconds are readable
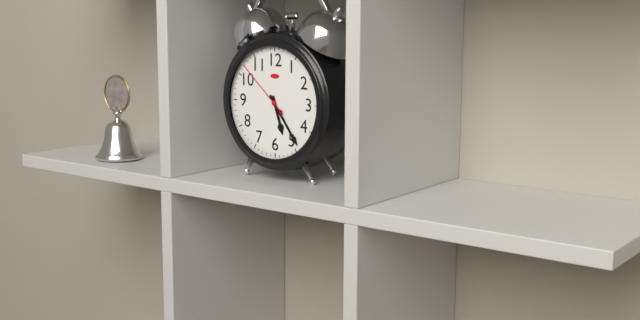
**5:24:52**
